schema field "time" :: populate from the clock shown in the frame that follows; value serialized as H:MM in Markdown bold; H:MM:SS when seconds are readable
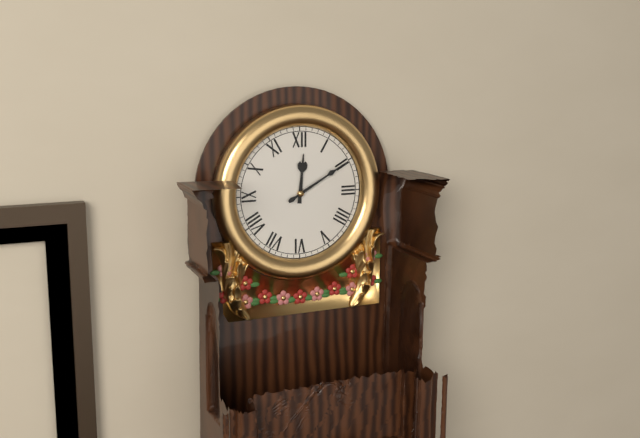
**12:10**
